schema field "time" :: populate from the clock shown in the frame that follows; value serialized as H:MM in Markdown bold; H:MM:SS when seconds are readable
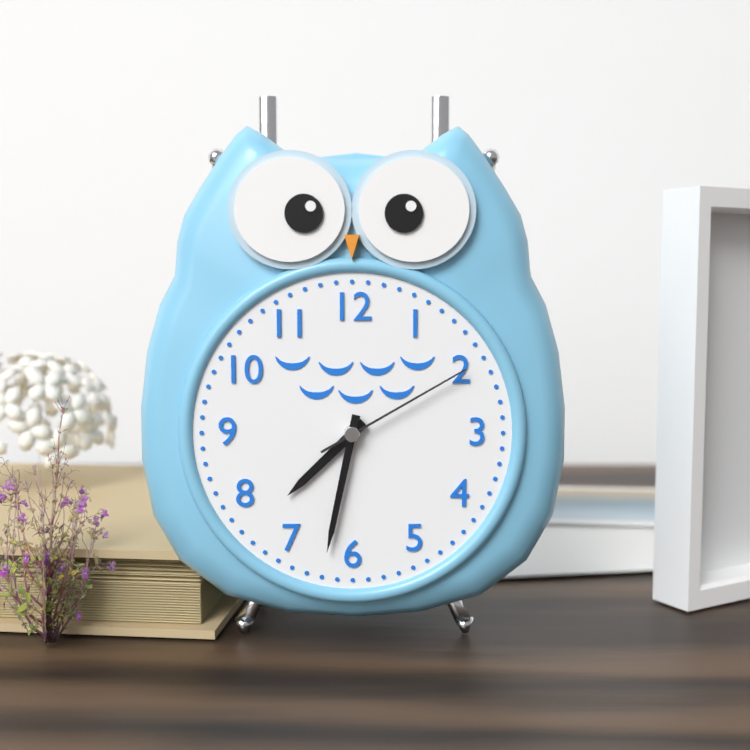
**7:32:10**
